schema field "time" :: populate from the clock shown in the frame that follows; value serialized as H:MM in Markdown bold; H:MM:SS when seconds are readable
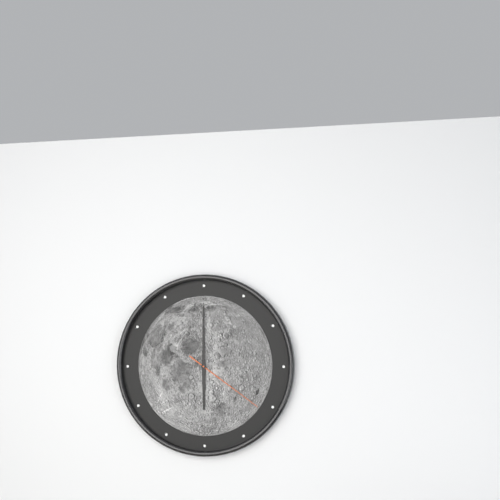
**6:00:21**
